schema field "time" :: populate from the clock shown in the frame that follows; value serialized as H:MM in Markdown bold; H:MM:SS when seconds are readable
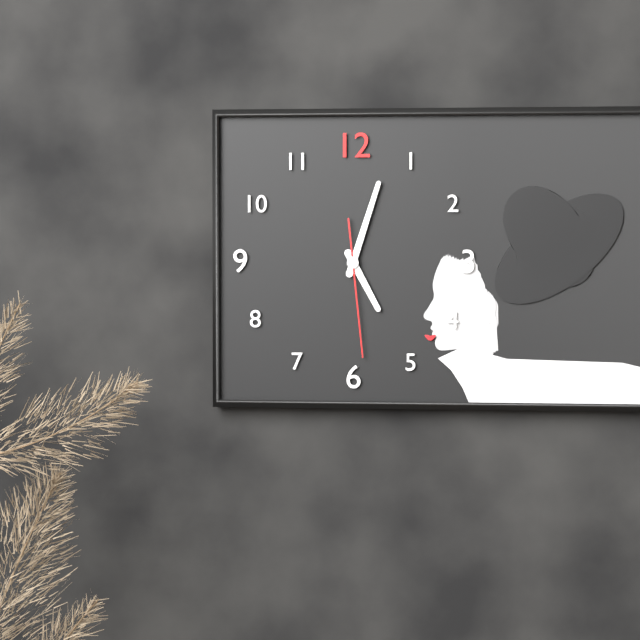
**5:03:29**
